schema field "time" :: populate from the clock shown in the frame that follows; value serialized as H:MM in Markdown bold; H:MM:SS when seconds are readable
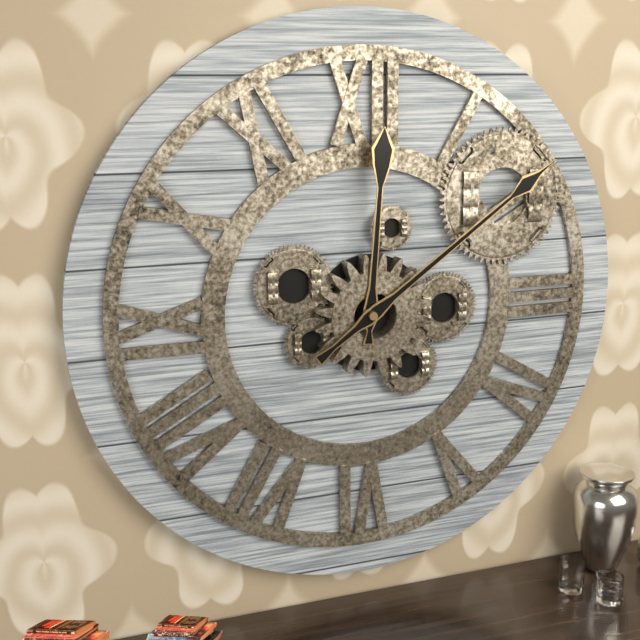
**12:09**
